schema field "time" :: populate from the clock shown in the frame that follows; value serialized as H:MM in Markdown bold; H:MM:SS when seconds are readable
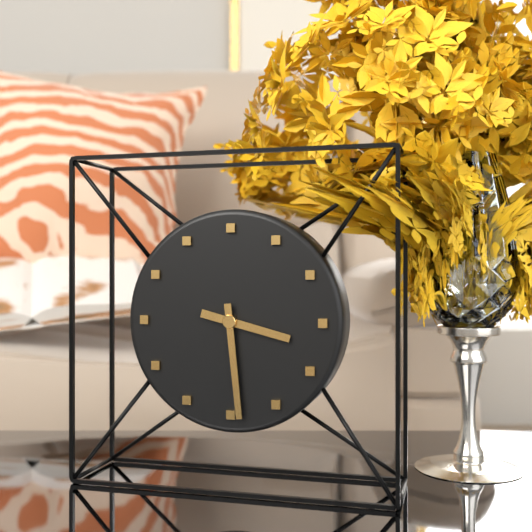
**3:29**
